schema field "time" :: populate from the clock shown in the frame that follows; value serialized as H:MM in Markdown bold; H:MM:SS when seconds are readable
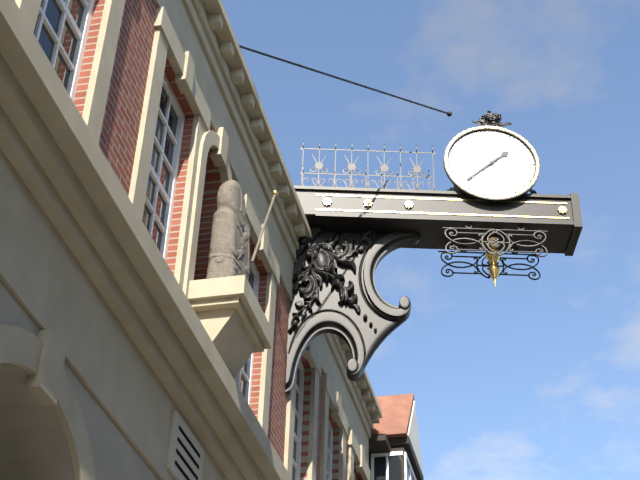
**1:38**
